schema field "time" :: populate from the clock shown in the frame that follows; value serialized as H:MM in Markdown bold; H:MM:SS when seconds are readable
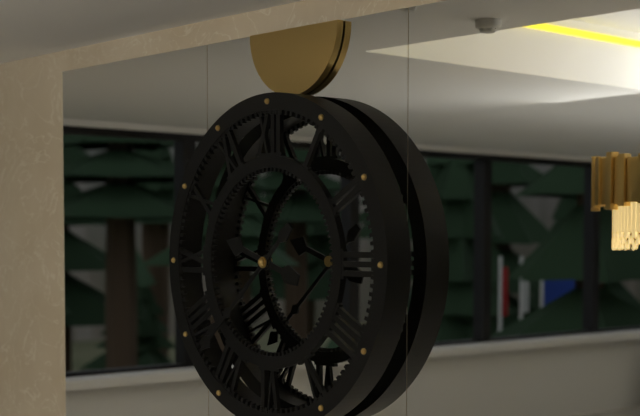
**9:38**
